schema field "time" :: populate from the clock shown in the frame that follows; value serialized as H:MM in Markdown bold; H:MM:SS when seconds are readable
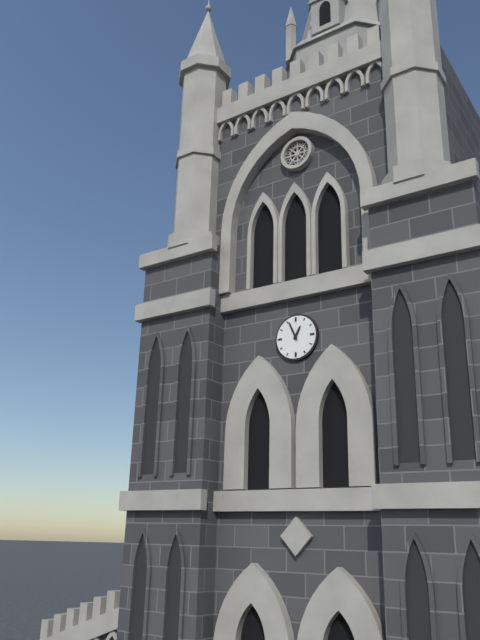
**12:56**
